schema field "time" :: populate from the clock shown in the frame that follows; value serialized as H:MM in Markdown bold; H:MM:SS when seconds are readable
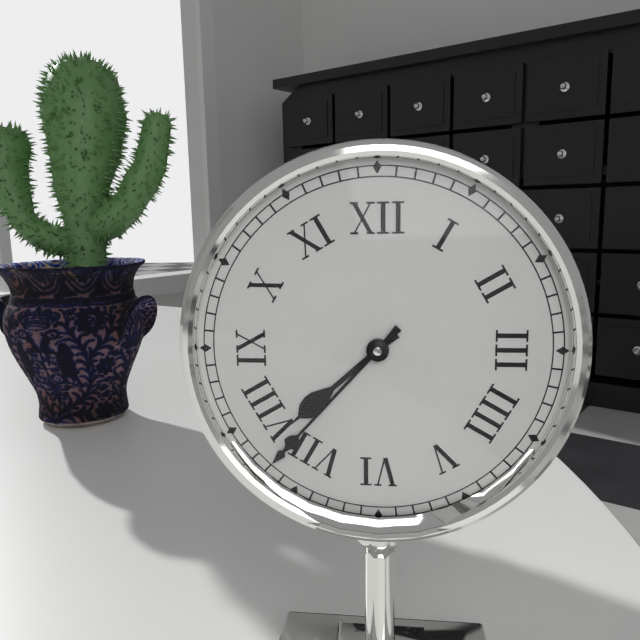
**7:37**
